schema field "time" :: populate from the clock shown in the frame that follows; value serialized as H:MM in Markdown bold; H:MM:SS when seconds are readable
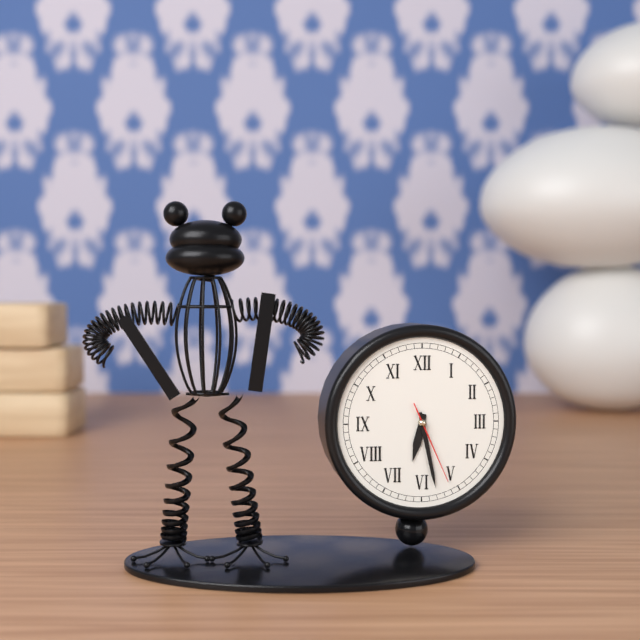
**6:28:26**
